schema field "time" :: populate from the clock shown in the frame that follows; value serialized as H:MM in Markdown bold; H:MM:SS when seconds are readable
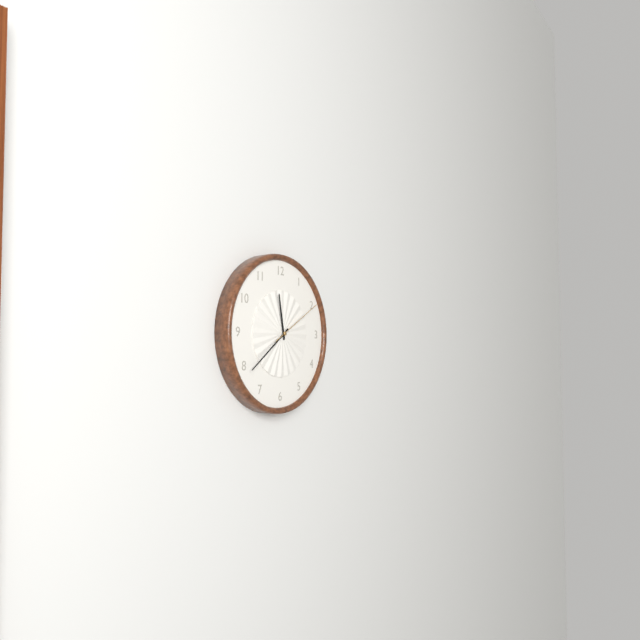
**11:39:10**
